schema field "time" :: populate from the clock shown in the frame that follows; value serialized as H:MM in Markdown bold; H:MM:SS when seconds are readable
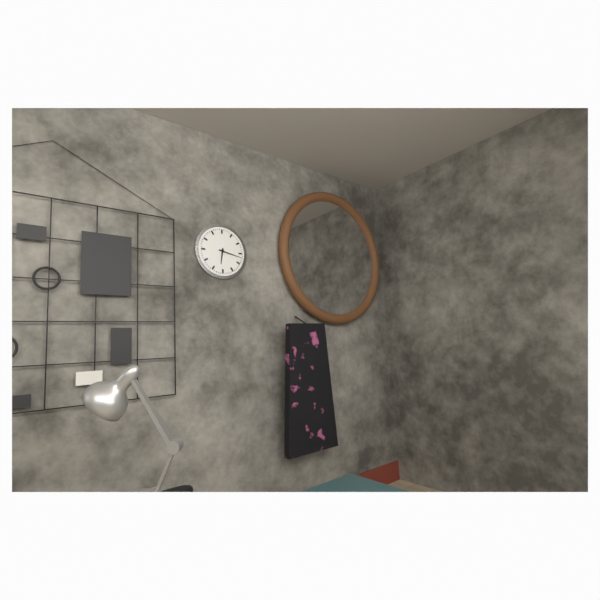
**6:17**
